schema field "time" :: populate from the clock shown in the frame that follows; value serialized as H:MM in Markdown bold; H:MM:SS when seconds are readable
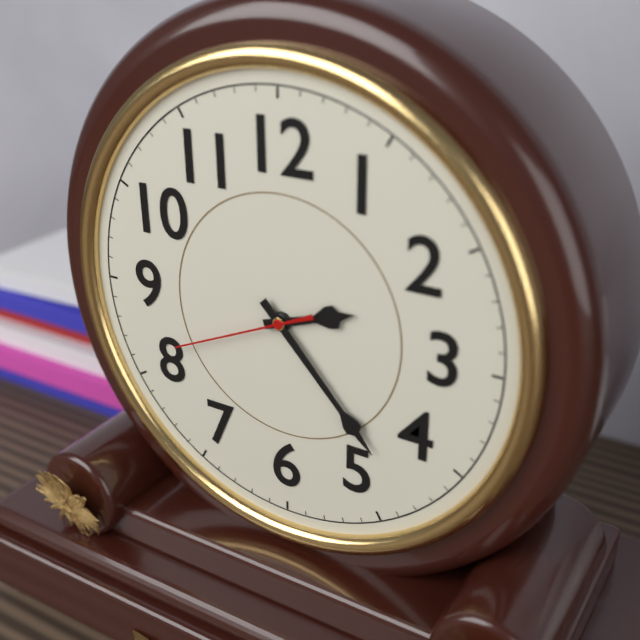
**2:23:41**
